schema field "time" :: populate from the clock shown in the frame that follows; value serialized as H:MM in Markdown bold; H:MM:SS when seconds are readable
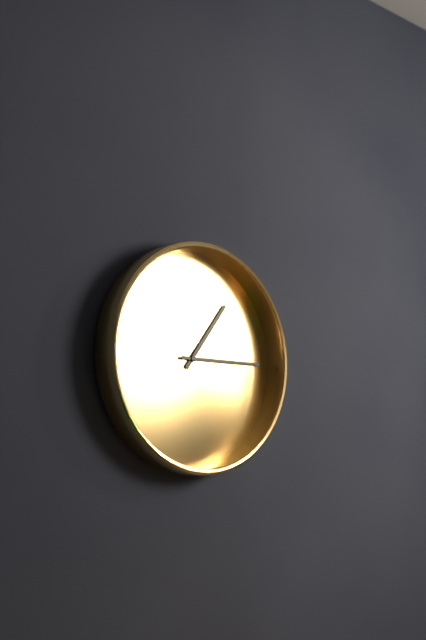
**1:15**
